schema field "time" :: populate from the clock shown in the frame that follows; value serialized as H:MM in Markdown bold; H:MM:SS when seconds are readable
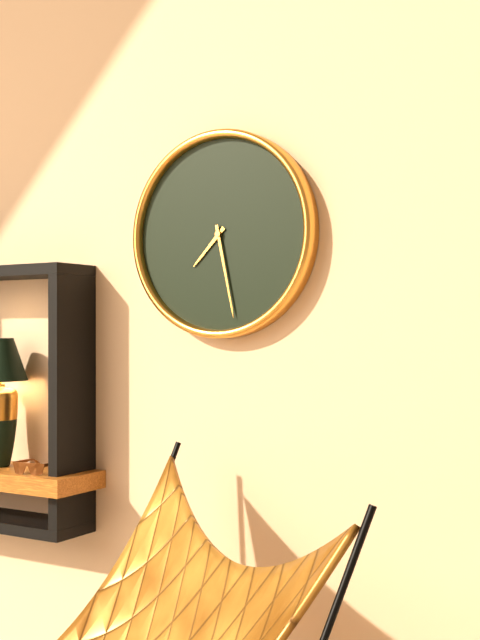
**7:28**
